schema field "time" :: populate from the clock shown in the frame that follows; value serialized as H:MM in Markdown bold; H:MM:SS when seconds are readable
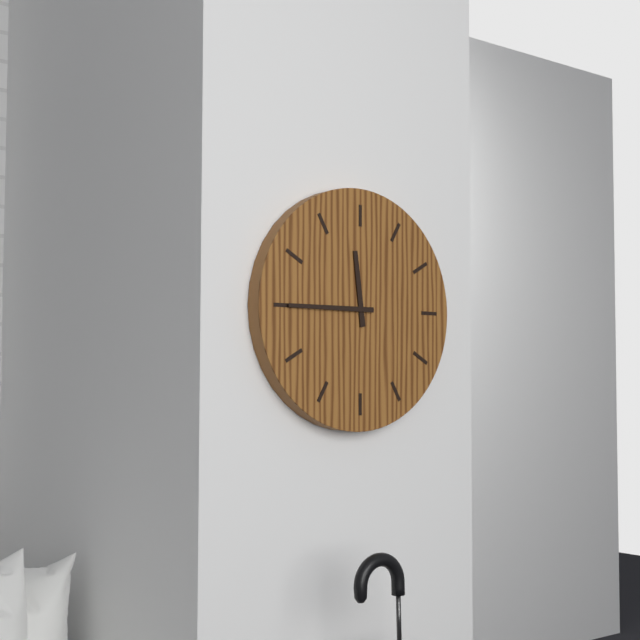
**11:45**
